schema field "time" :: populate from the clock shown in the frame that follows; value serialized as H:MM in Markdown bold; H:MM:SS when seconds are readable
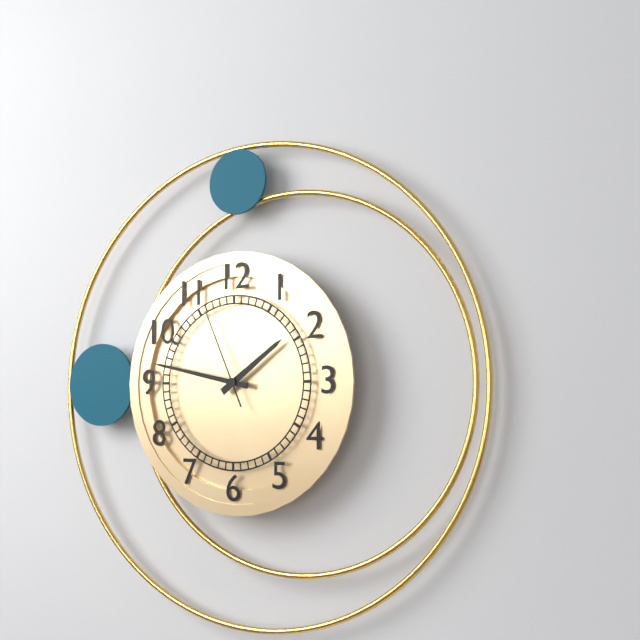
**1:47:56**
